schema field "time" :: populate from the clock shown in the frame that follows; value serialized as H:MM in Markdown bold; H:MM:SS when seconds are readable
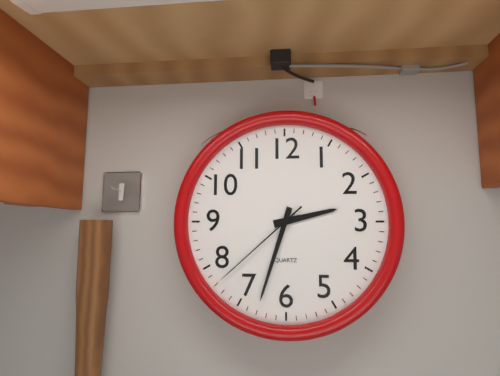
**2:33:38**
